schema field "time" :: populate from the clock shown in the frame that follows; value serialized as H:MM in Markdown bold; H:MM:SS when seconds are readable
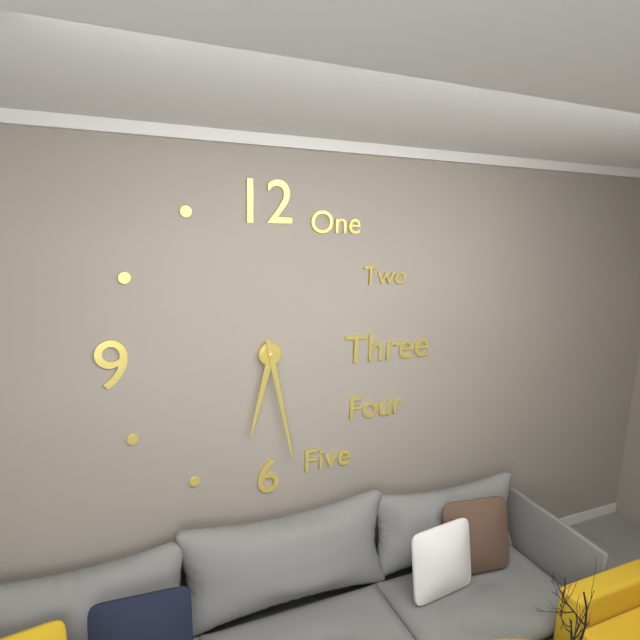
**6:28**
